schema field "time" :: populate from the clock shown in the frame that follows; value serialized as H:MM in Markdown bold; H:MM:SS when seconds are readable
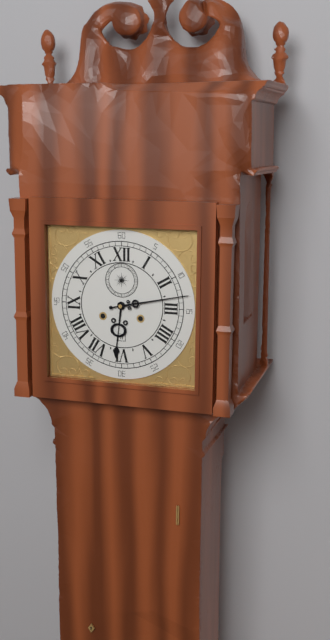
**6:13**
